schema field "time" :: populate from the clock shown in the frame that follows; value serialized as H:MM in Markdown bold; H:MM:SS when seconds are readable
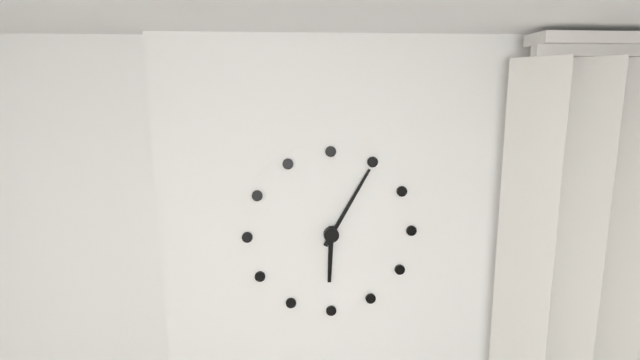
**6:05**
